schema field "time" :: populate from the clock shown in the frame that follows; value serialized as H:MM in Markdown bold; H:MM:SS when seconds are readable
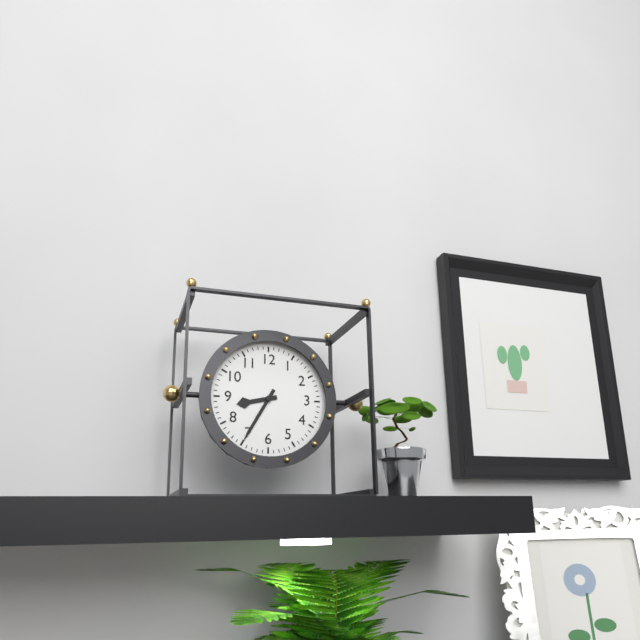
**8:35**
